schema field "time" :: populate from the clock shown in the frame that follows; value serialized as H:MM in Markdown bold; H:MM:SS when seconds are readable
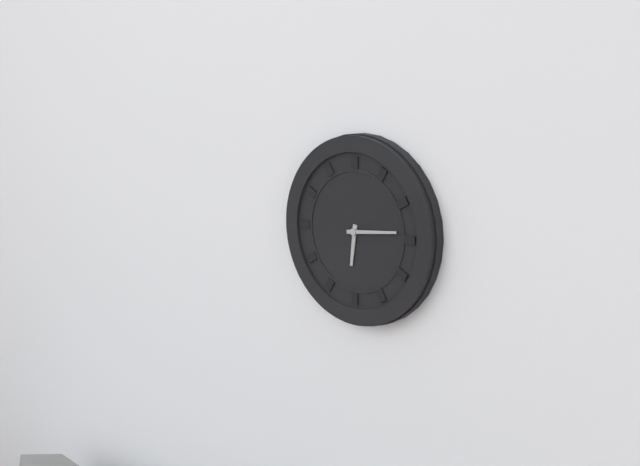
**6:14**
